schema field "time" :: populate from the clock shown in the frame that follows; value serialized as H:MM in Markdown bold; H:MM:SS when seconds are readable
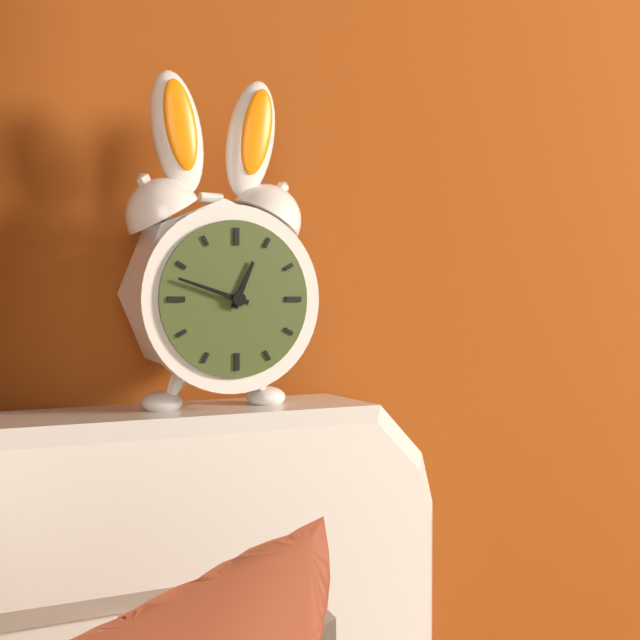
**12:48**
